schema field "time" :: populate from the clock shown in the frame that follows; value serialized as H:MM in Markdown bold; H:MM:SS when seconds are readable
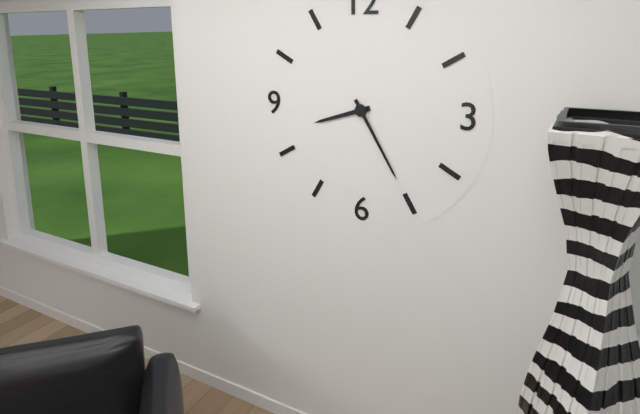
**8:25**
